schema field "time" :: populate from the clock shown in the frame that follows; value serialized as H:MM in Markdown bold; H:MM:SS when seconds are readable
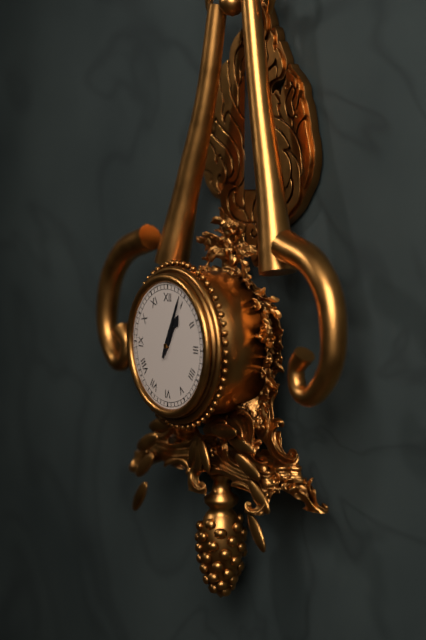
**1:04**
